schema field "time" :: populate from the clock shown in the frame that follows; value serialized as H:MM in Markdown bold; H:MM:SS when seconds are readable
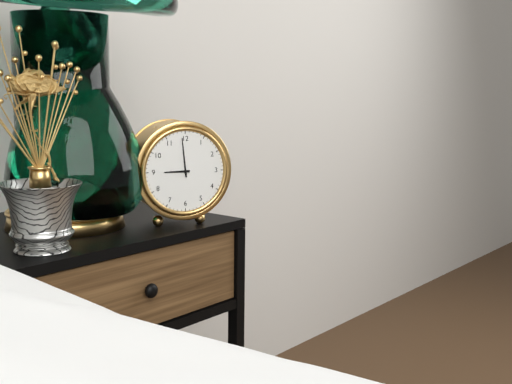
**8:59**
